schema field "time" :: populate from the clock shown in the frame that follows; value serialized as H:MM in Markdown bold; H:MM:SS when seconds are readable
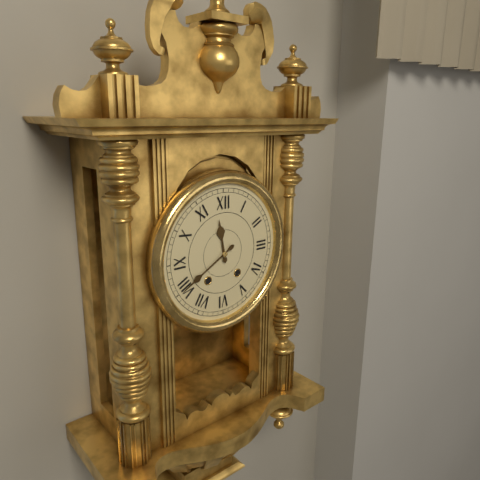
**11:40**
